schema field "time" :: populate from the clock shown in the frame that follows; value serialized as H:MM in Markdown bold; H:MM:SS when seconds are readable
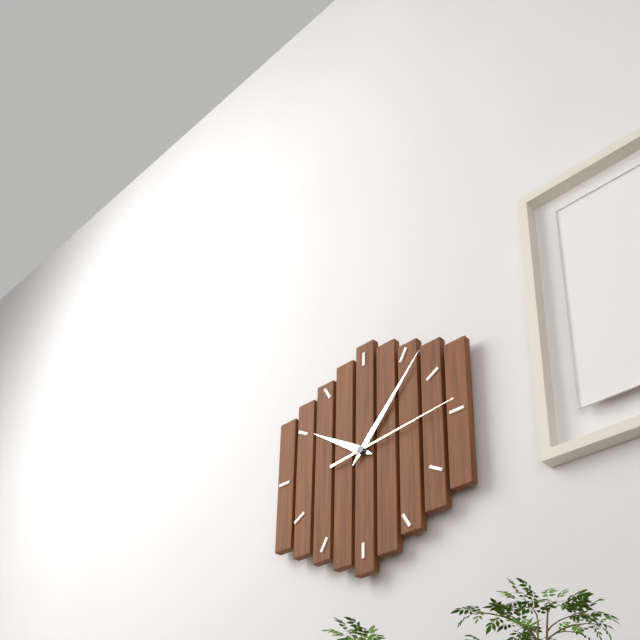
**10:07:14**
